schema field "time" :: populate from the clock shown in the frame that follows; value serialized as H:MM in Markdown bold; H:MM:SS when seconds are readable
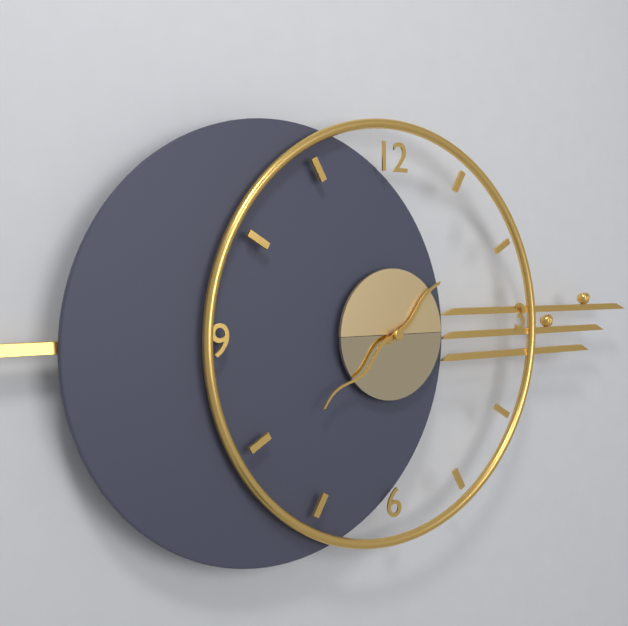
**1:39**
